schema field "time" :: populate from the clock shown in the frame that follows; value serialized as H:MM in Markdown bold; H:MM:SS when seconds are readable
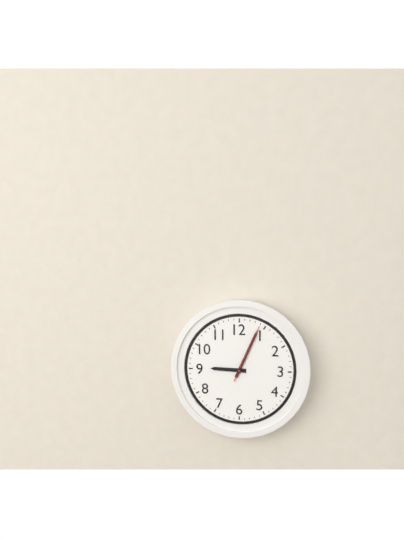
**9:04:04**
